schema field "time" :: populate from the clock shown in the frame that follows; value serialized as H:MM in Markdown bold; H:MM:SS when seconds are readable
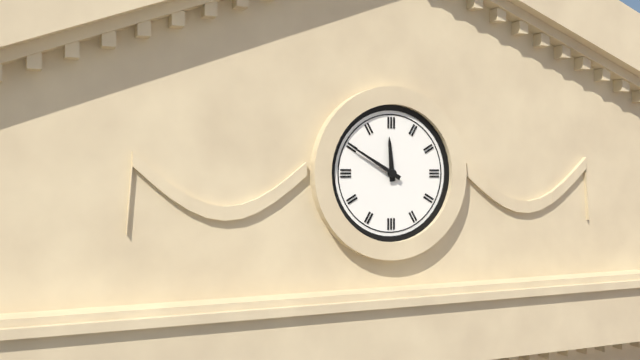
**11:50**
